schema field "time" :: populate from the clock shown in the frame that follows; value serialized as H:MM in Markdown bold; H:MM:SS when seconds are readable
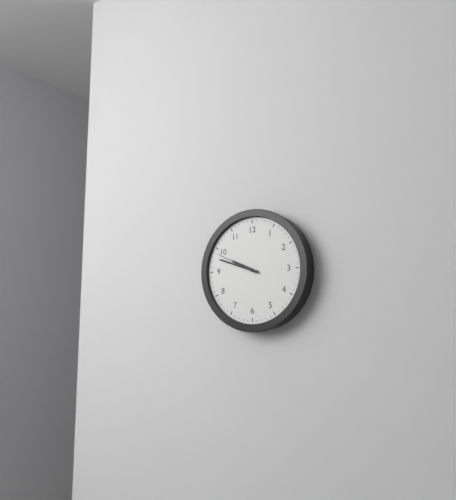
**9:48**
